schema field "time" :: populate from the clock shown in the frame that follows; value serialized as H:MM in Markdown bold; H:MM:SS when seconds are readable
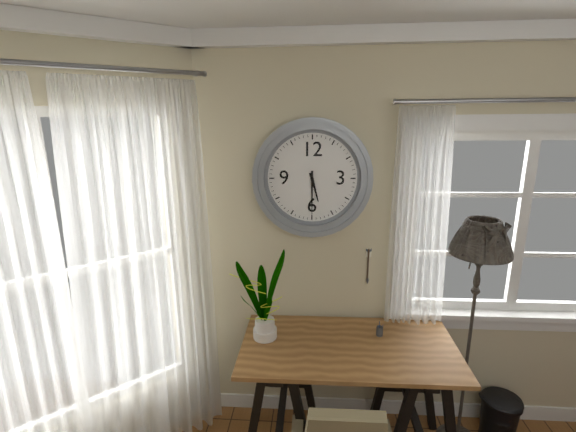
**5:30**
